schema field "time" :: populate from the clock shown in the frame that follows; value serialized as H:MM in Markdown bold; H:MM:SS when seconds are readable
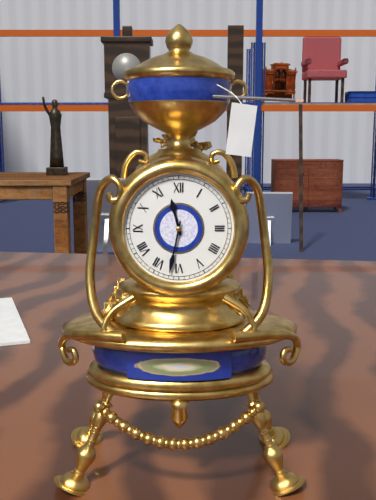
**11:32**
